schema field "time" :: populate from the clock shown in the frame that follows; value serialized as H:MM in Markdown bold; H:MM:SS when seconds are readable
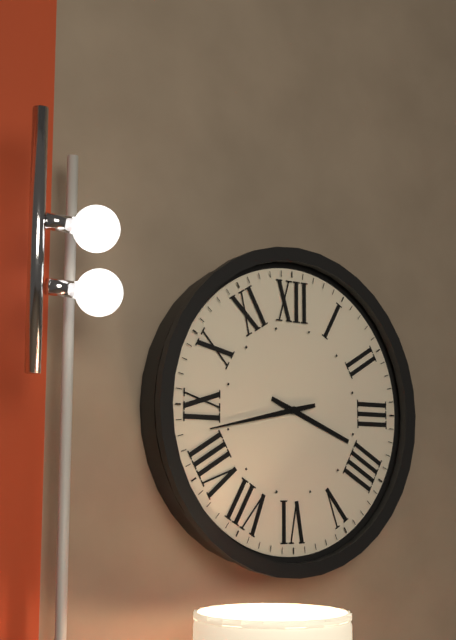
**3:43**
